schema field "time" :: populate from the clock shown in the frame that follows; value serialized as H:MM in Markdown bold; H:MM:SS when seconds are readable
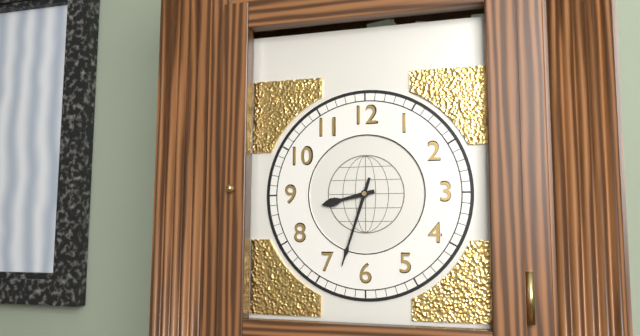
**8:33**
